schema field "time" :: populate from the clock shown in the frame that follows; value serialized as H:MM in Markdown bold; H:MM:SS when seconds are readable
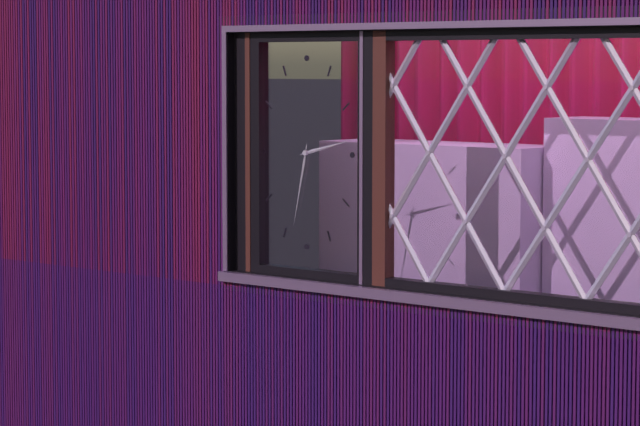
**2:32**
